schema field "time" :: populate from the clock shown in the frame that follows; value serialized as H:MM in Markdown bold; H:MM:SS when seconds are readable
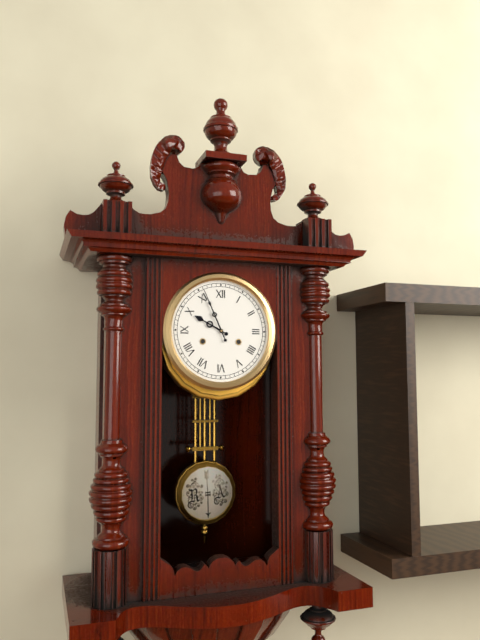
**9:56**
